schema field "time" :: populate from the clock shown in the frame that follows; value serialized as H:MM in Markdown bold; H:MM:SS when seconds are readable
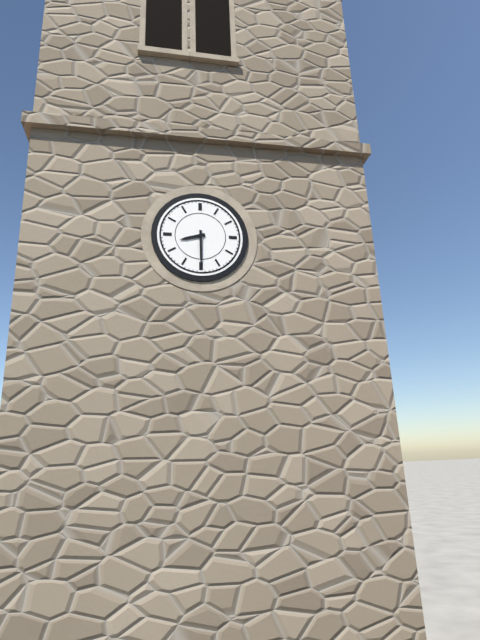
**8:30**
